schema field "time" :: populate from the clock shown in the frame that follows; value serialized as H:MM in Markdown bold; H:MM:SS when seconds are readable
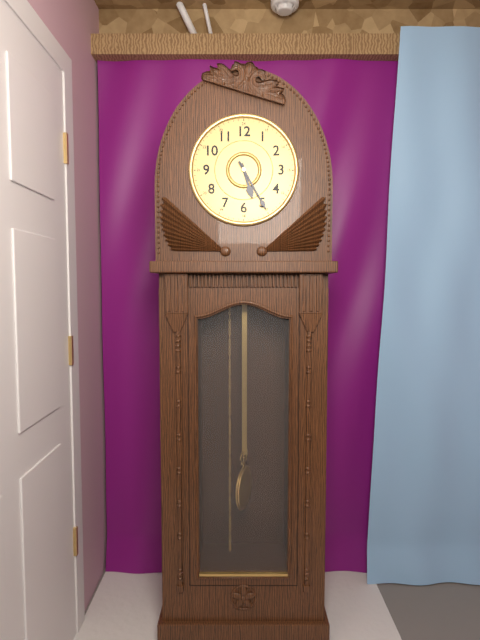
**5:25**
